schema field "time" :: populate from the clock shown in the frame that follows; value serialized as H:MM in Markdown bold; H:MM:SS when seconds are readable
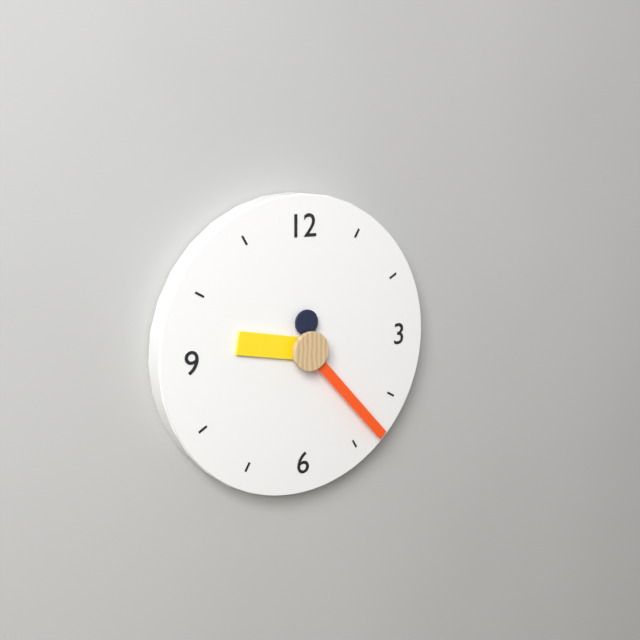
**9:23**
